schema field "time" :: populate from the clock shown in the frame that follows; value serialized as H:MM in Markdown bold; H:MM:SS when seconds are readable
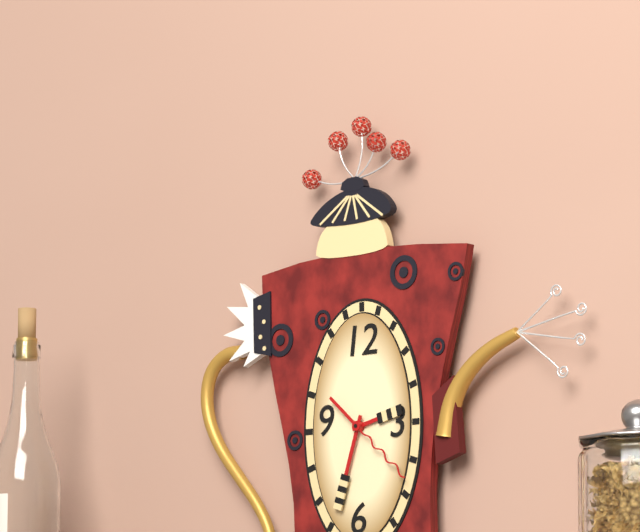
**2:33:22**
